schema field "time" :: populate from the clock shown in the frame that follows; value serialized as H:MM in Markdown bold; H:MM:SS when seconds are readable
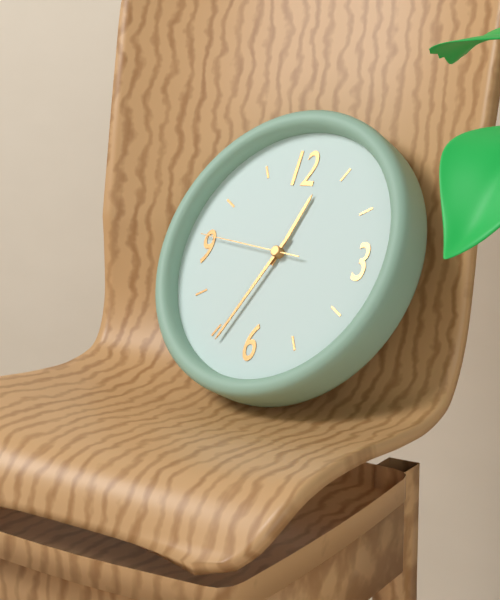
**12:34:46**
